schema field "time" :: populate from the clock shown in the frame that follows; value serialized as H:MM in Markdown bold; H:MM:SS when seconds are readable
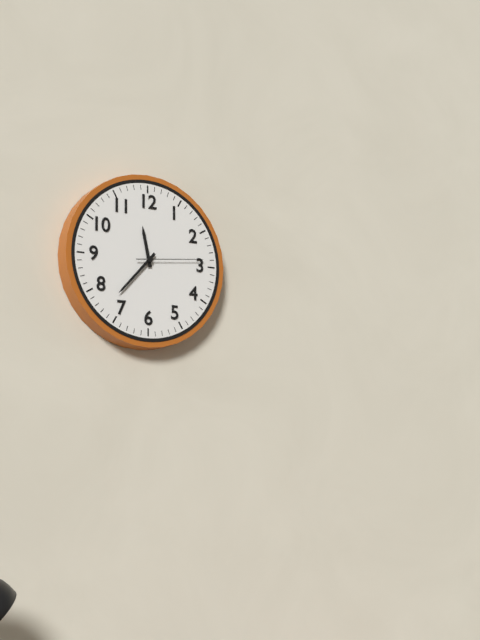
**11:37:14**
